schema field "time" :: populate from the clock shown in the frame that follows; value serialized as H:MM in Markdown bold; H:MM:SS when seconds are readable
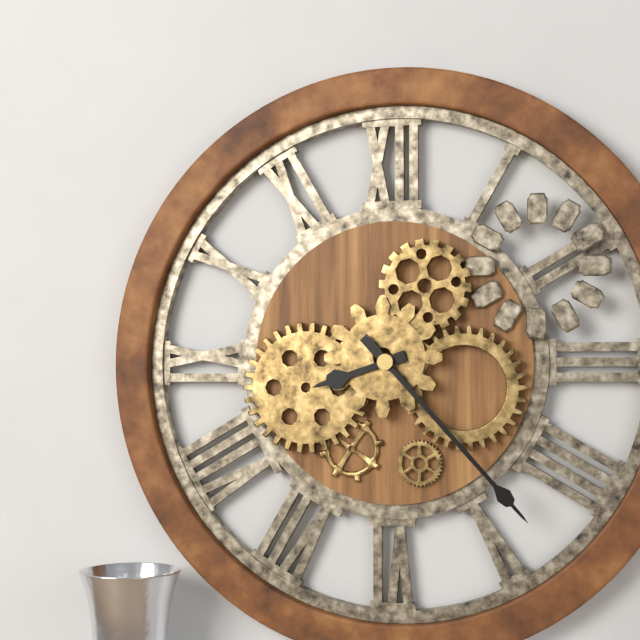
**8:23**
